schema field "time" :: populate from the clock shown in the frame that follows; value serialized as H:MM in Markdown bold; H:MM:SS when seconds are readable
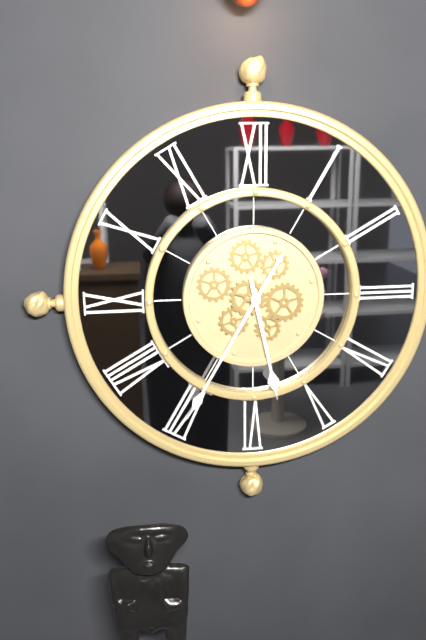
**5:35**
